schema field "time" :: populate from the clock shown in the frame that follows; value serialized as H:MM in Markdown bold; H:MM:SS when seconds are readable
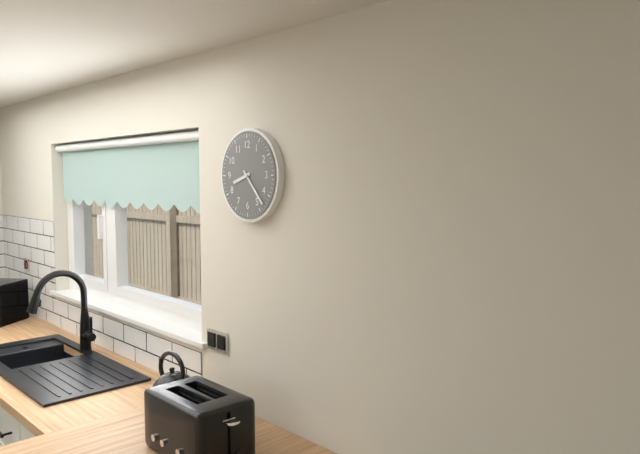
**8:23**
